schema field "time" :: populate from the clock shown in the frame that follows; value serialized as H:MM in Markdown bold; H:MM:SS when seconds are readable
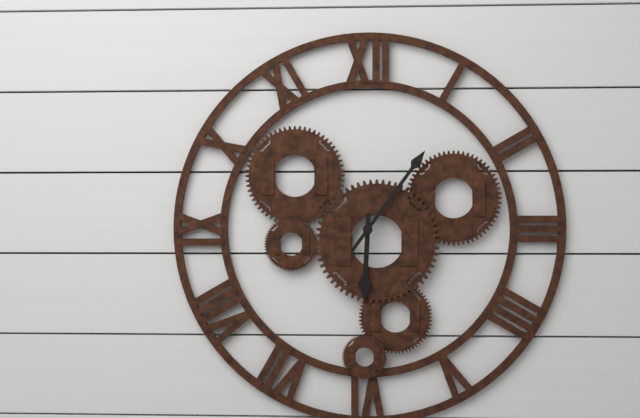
**6:06**
